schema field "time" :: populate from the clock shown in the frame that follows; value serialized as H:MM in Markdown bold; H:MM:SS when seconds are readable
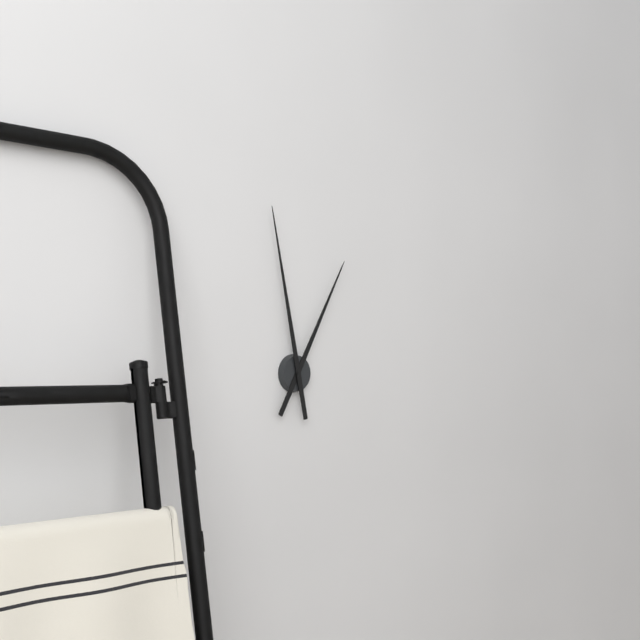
**12:58**
